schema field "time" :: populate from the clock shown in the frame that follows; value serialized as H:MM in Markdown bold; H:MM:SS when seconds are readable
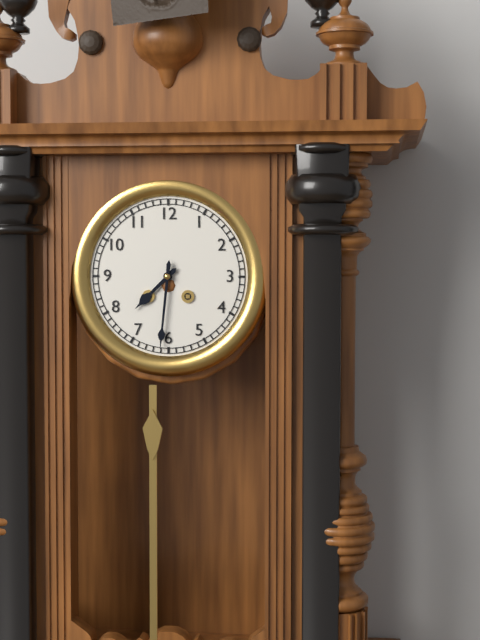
**7:31**
